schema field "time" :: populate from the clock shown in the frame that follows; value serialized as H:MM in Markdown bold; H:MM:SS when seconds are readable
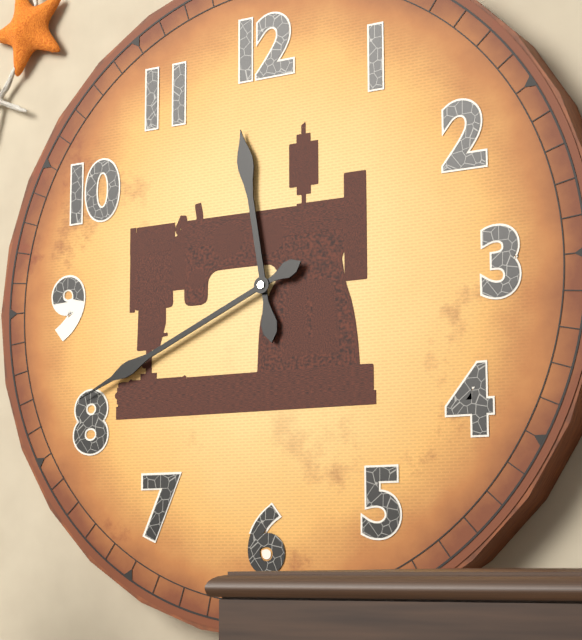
**11:41**
